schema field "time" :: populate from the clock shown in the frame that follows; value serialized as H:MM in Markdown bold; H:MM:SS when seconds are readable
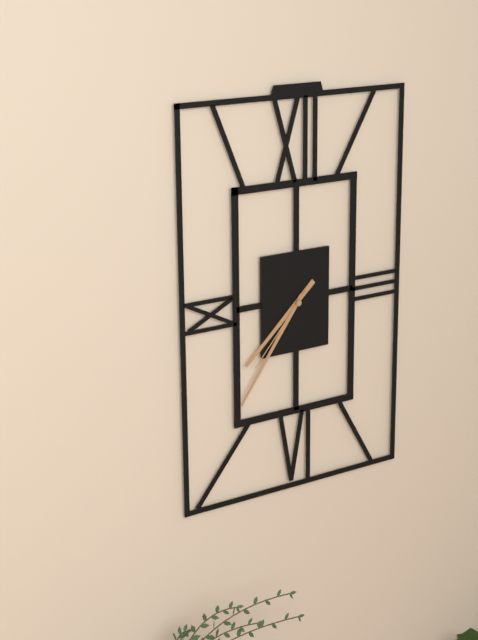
**7:36:37**
